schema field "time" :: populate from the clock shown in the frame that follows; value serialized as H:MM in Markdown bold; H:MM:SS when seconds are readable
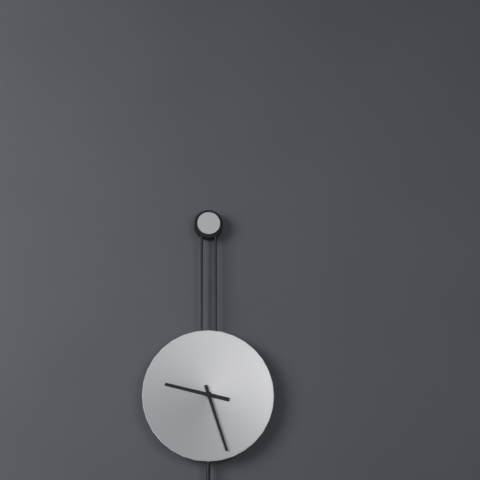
**9:27**
